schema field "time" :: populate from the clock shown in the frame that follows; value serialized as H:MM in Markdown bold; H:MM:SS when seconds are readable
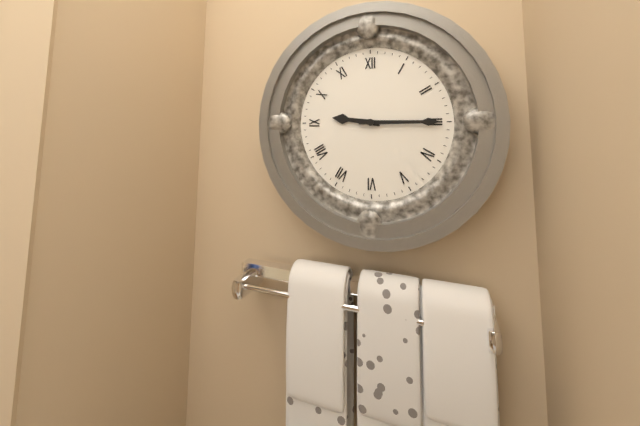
**9:15**
